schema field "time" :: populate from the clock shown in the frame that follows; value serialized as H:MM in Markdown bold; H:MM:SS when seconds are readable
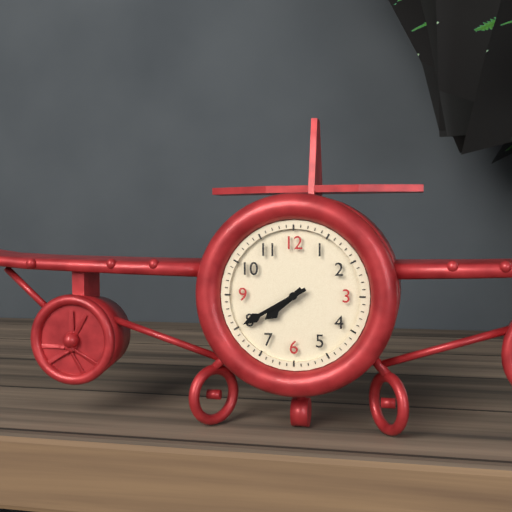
**7:40**
